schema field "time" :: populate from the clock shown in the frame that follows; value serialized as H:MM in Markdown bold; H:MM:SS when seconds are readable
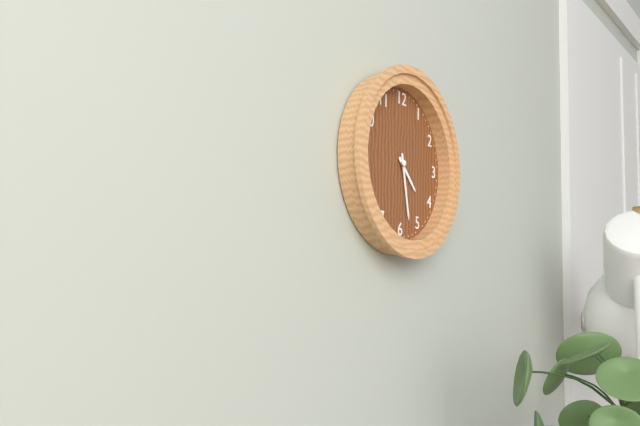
**4:28**
